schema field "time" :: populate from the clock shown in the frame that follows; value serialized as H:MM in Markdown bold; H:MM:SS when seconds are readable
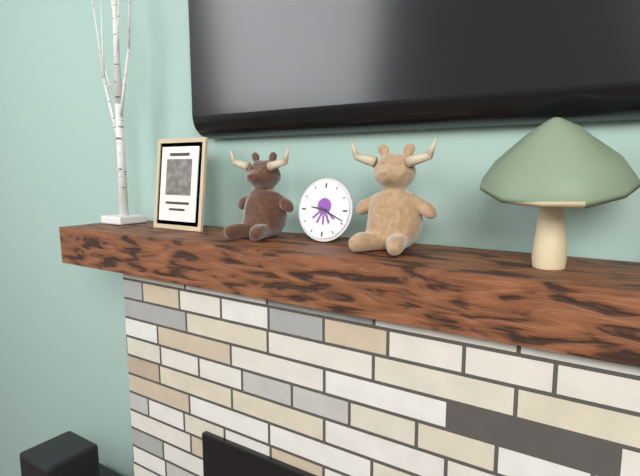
**9:19**
